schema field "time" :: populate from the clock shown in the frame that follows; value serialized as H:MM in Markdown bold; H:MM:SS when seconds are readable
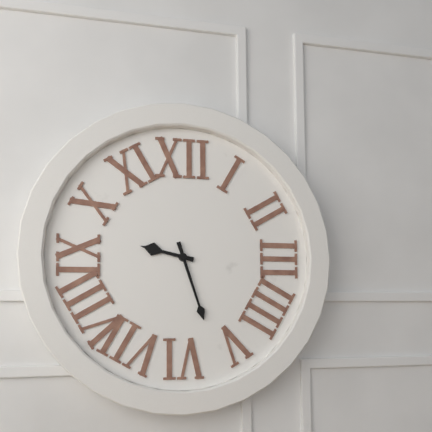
**9:27**
